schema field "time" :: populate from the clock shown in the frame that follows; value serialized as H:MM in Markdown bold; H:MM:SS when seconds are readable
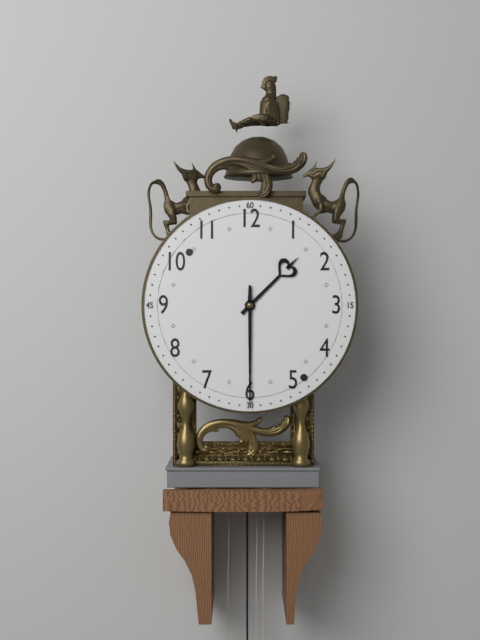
**1:30**
